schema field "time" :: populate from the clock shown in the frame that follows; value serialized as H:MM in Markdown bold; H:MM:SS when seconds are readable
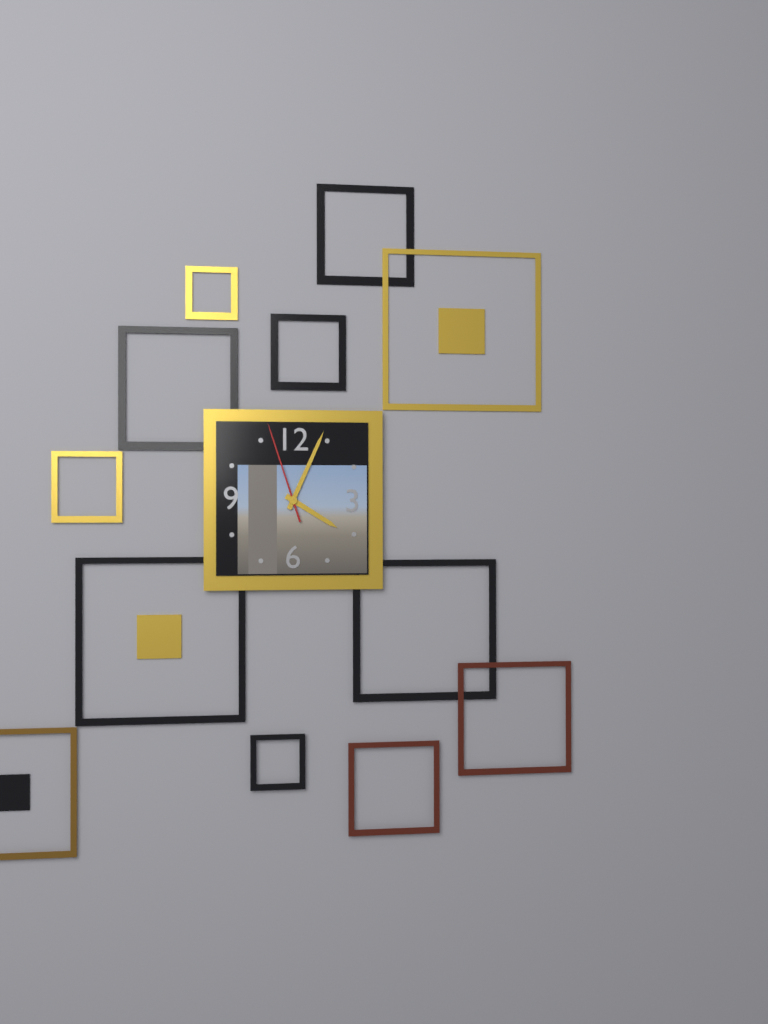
**4:04:57**
